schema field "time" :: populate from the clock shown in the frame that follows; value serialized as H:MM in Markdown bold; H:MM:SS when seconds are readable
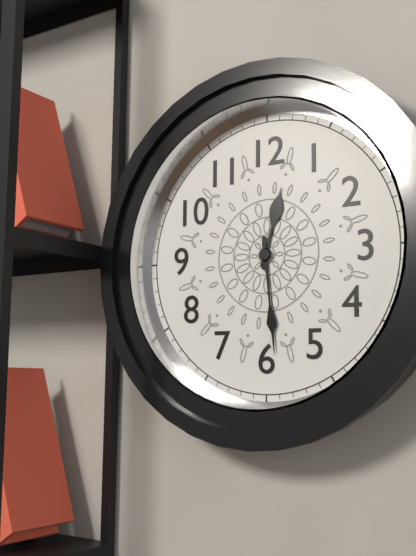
**12:29**
